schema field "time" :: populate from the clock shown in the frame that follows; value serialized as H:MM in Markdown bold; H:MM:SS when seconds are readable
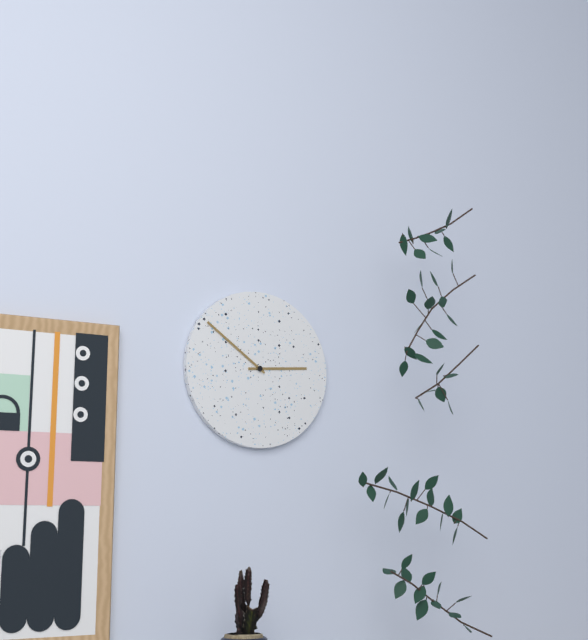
**2:51**
